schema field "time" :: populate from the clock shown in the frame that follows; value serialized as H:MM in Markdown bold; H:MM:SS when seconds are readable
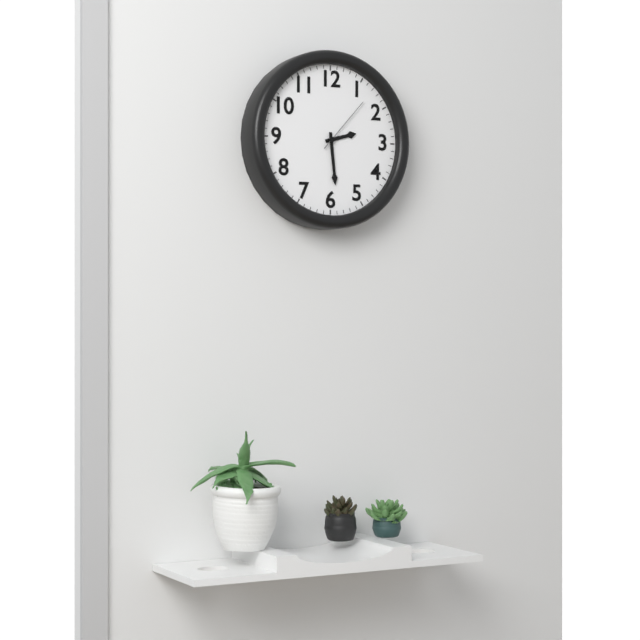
**2:29:07**
